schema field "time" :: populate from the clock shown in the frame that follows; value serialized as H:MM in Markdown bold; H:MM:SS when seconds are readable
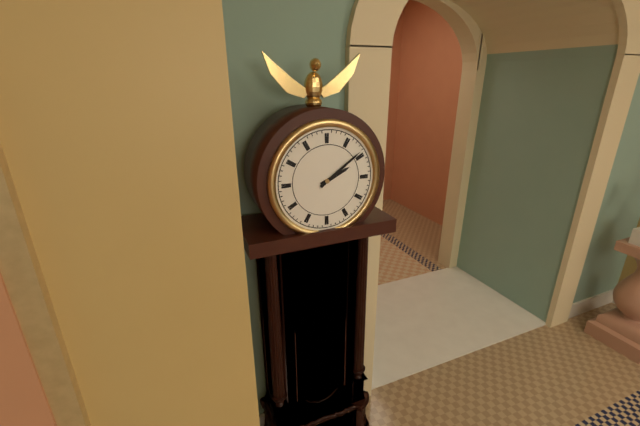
**2:09**
